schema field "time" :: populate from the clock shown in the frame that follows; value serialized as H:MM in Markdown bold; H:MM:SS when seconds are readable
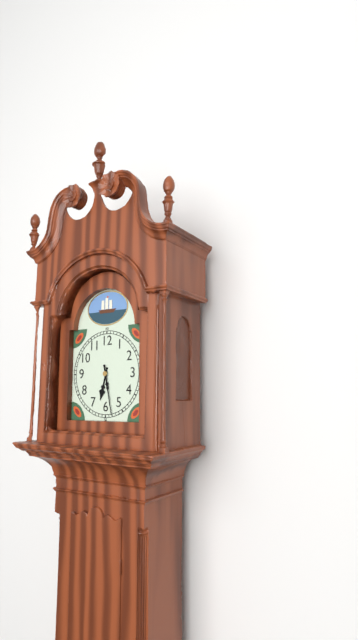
**6:28**
